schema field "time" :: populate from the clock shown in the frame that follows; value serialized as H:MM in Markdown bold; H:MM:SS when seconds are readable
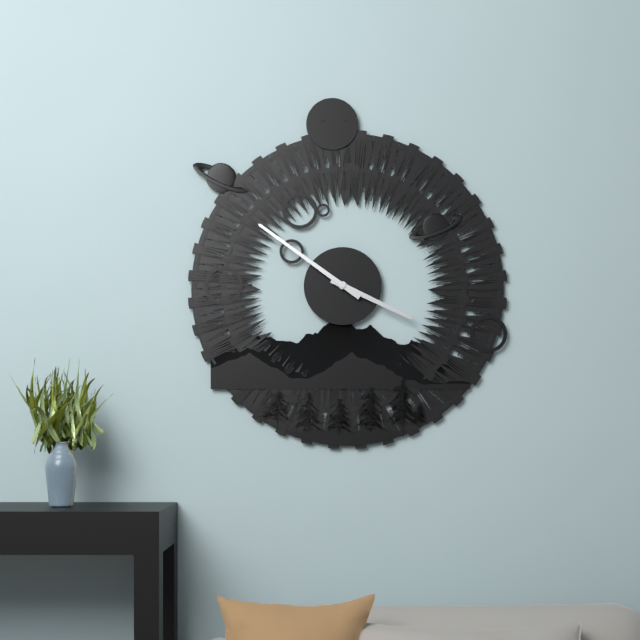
**3:51**
